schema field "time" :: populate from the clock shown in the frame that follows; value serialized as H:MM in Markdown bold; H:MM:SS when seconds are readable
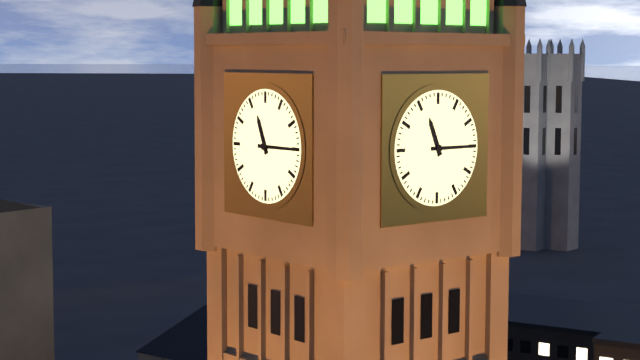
**11:15**
